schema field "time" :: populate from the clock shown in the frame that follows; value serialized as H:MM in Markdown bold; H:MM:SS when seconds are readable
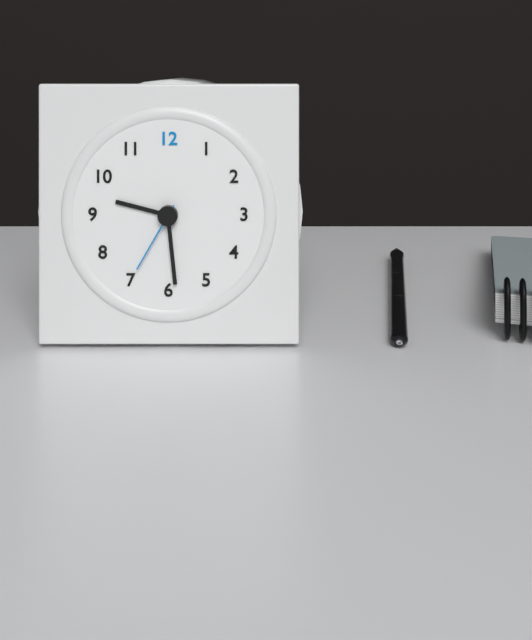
**9:29:35**
